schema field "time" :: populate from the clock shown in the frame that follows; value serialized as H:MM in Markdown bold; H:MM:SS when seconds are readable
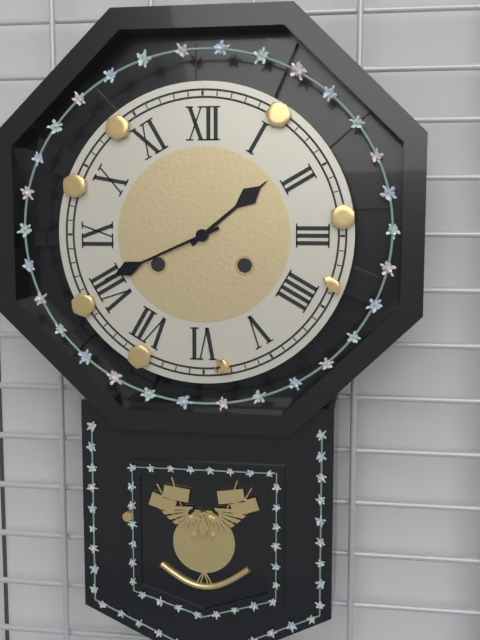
**1:41**
